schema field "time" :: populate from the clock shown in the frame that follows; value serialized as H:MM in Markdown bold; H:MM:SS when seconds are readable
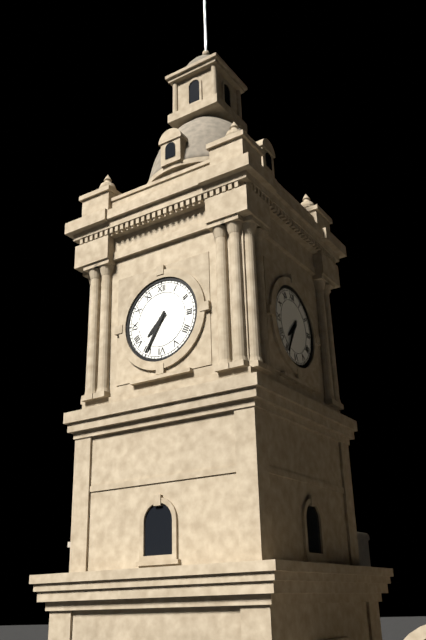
**7:35**
